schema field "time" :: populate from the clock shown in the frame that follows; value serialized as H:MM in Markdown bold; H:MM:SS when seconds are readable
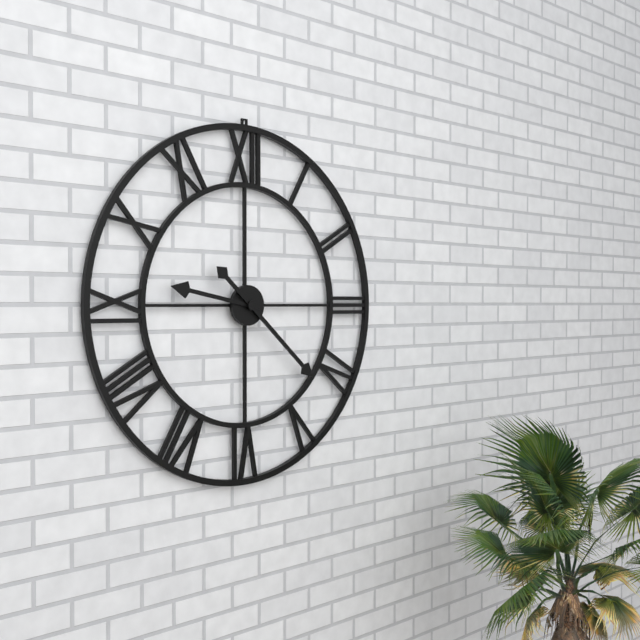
**9:22**
